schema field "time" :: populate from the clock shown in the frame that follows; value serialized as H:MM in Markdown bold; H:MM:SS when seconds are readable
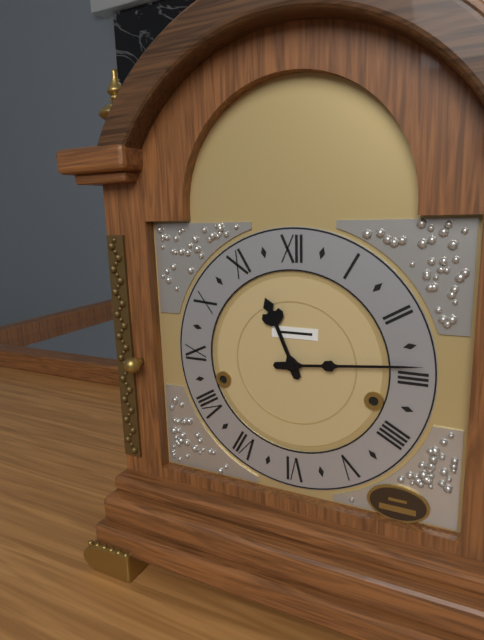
**11:14**
